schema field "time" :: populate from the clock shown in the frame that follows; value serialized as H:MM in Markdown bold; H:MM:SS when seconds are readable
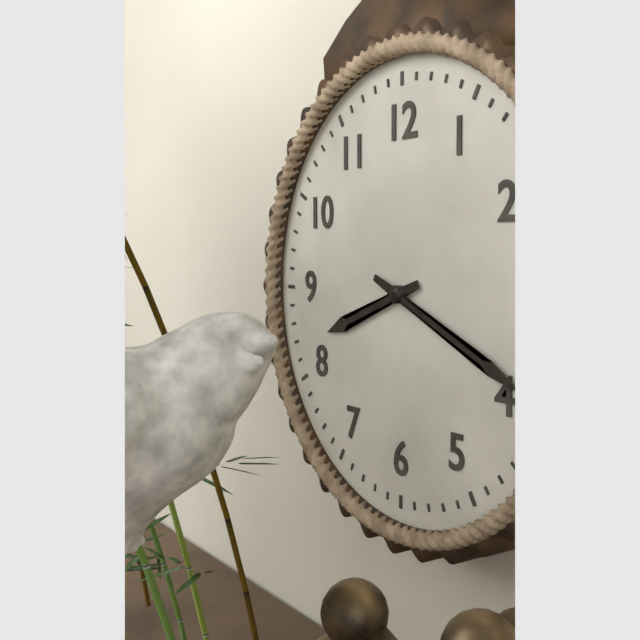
**8:19**
